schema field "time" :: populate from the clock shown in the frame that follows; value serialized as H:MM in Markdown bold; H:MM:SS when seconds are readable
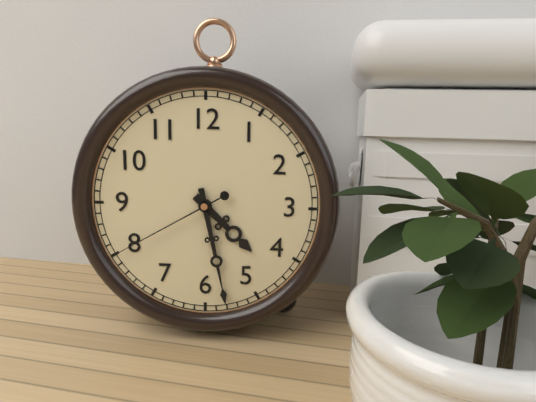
**4:28:40**
